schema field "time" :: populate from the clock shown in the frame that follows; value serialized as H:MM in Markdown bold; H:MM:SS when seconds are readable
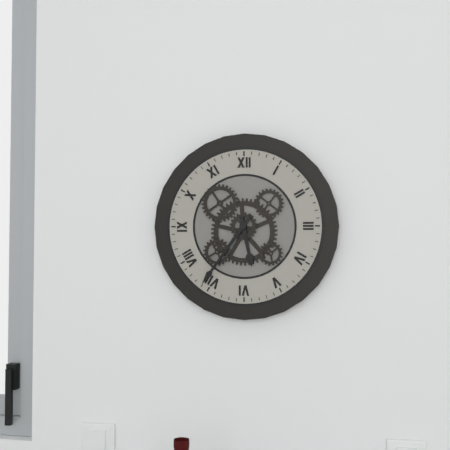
**5:36**
